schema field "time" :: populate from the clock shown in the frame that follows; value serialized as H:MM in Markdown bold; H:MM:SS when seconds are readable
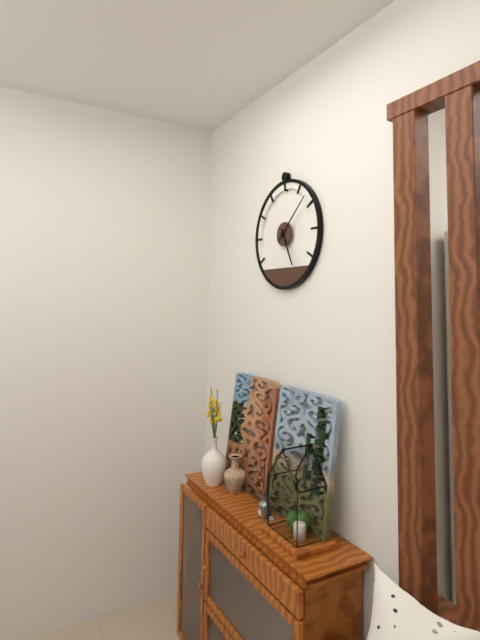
**5:08**
